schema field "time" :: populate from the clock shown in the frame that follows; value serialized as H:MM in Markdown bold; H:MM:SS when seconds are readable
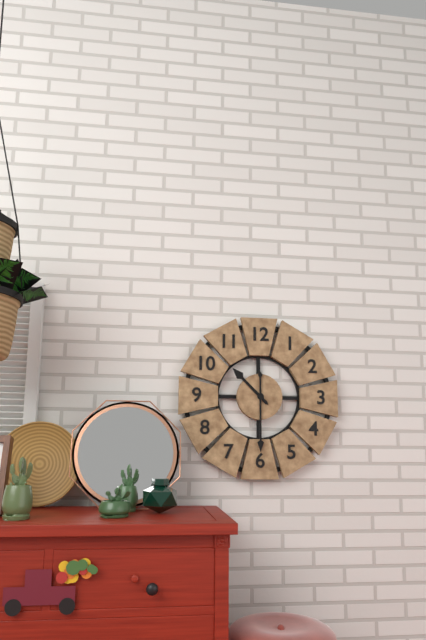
**10:30**
